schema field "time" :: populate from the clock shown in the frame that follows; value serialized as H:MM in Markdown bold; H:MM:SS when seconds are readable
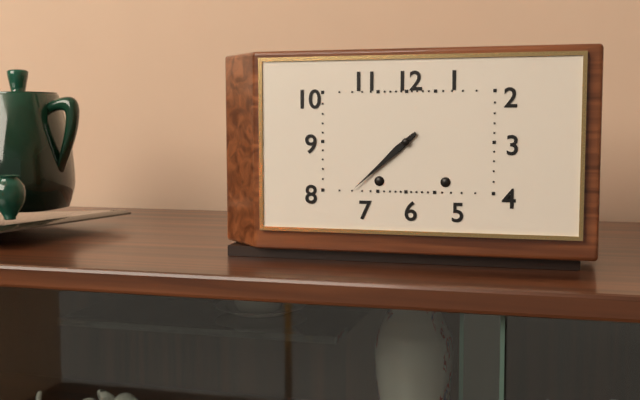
**7:38**
